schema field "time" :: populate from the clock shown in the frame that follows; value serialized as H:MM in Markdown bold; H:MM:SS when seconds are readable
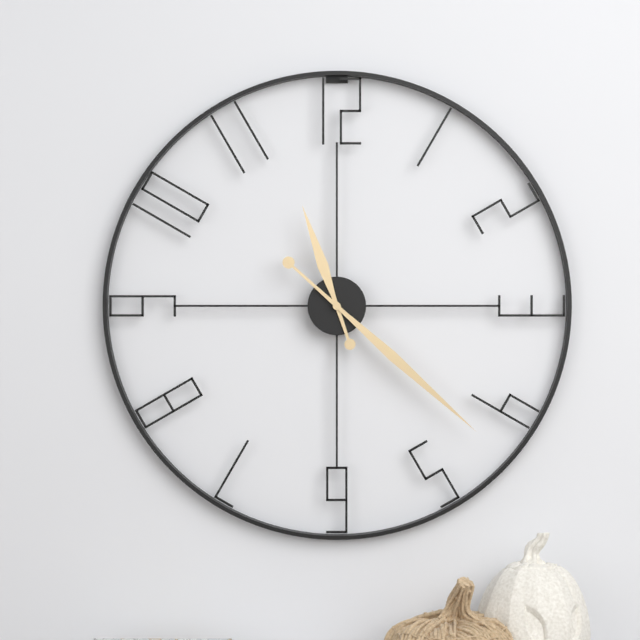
**11:22**
